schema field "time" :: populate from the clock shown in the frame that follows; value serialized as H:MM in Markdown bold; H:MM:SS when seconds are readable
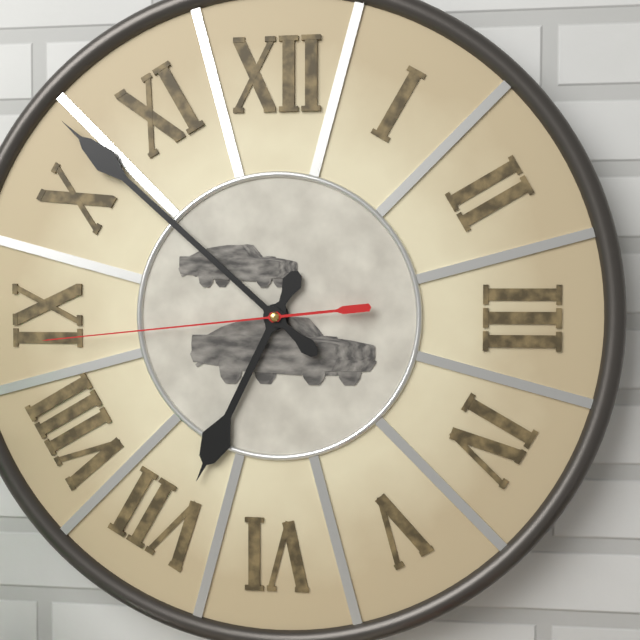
**6:52:44**
